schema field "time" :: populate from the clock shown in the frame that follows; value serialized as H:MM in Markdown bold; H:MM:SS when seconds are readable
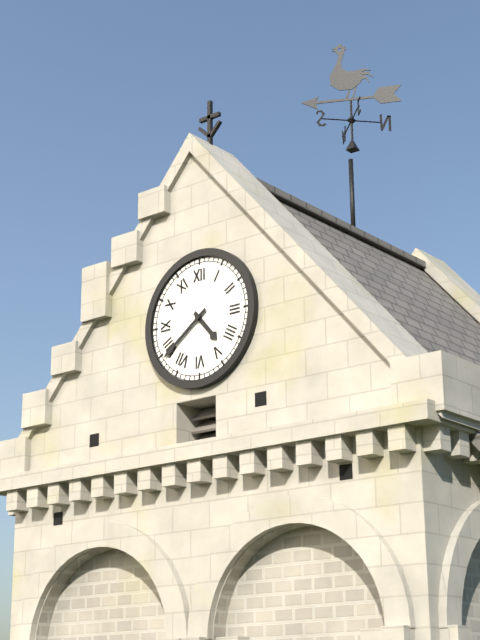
**4:39**
